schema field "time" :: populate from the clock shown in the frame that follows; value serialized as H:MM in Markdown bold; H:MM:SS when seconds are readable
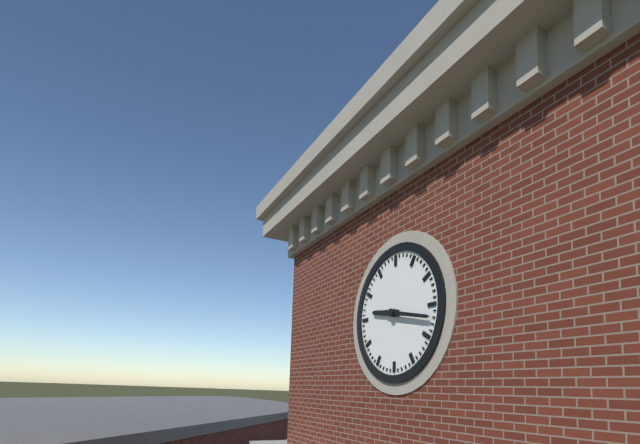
**9:17**
